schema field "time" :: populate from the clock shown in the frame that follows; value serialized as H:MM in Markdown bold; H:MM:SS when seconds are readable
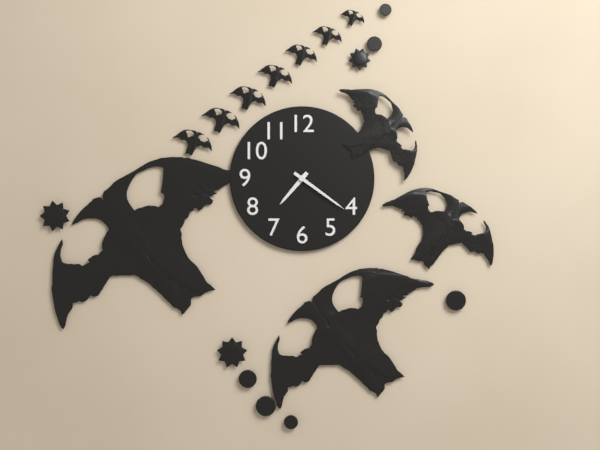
**7:21**
